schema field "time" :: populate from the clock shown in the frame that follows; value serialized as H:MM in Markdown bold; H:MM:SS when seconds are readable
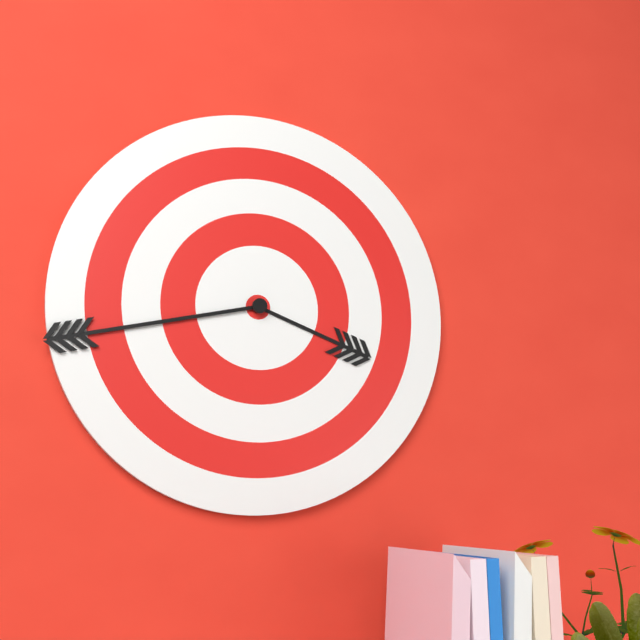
**3:43**
